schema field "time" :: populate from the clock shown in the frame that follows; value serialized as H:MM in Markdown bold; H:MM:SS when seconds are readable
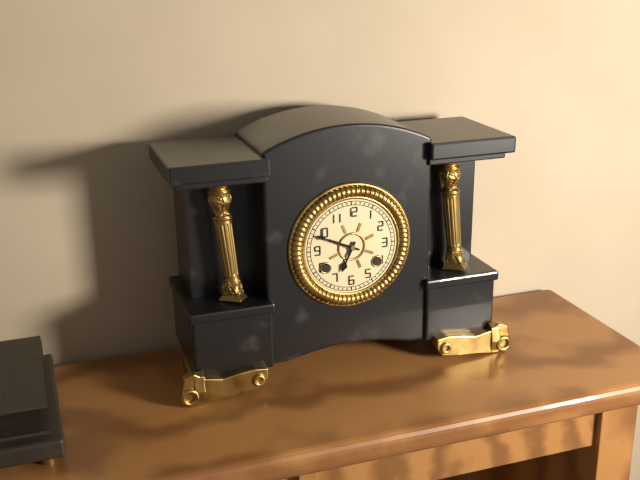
**6:49**
